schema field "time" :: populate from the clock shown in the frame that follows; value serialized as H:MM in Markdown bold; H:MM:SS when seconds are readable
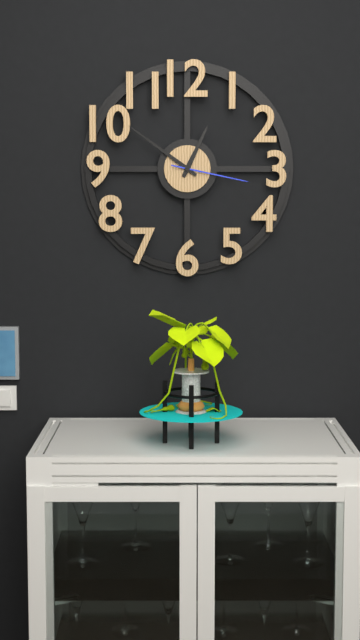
**12:51:17**
